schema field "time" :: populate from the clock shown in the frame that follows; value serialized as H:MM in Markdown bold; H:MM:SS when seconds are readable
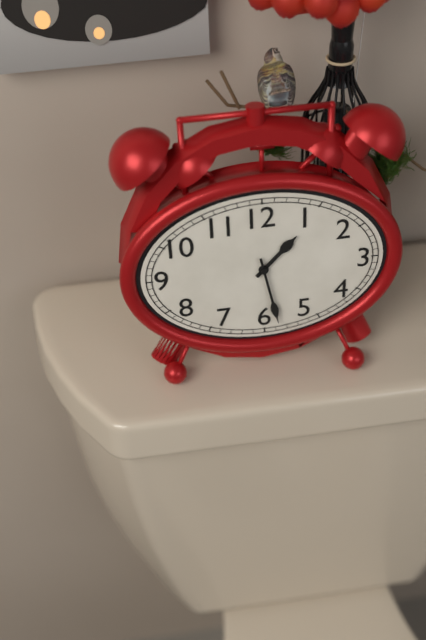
**1:28**
